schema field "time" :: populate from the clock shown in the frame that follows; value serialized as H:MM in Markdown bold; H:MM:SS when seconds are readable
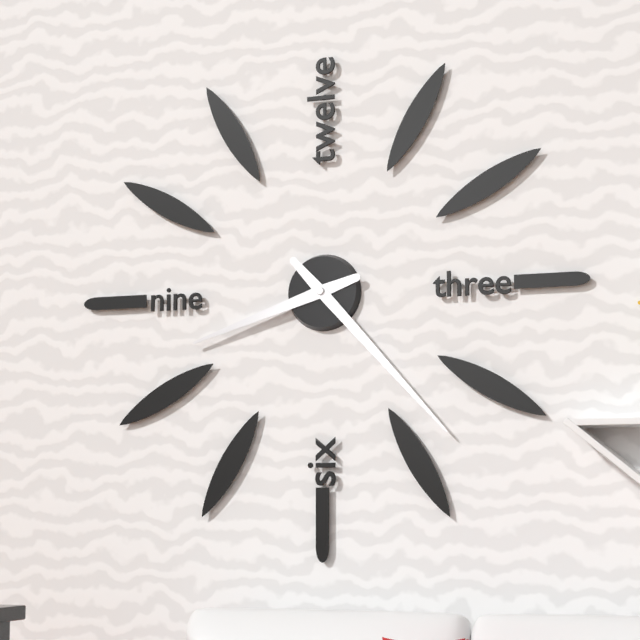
**8:23**
